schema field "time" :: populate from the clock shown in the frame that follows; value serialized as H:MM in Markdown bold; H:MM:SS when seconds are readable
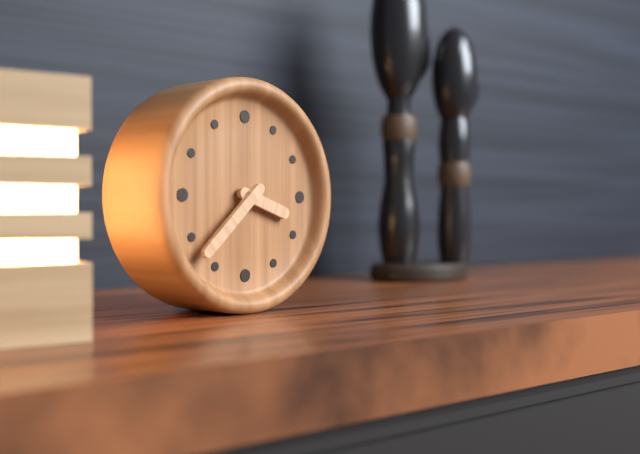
**3:38**
